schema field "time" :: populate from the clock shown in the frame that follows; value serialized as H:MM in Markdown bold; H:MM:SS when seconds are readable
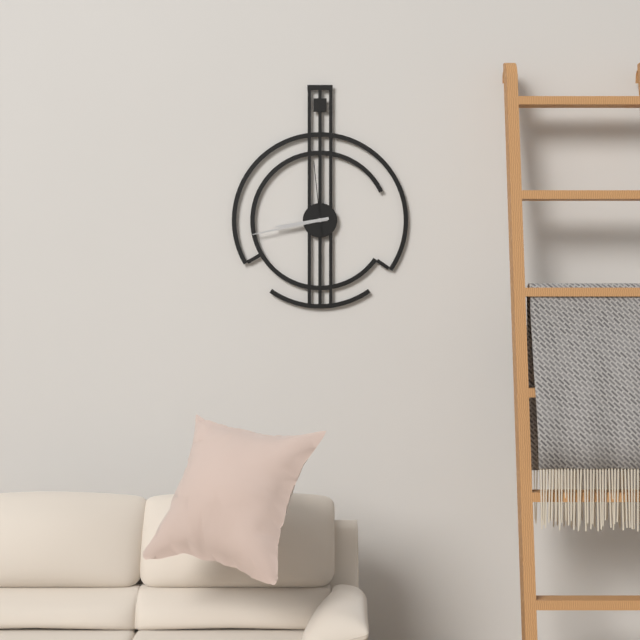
**8:43:59**
